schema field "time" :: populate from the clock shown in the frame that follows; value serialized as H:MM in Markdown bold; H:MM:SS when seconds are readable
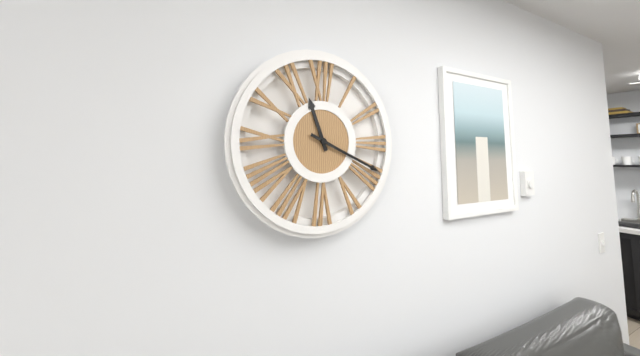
**11:19**
